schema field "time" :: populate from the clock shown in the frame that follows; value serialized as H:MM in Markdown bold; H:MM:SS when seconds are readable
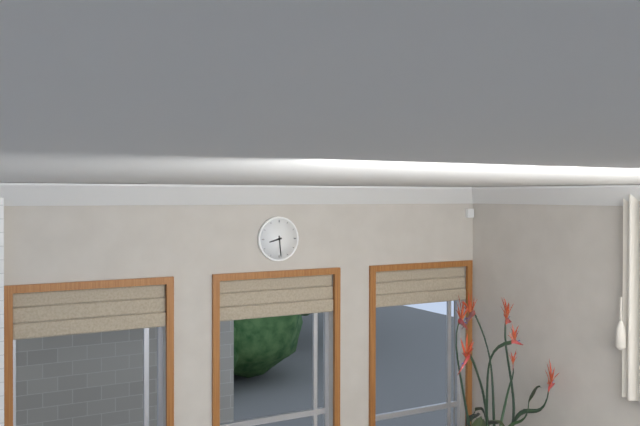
**8:29**
